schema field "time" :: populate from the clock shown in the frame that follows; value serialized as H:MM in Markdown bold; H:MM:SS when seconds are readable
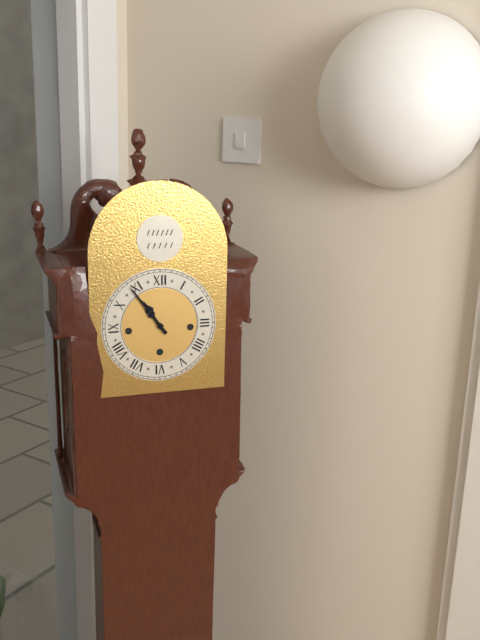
**10:54**
